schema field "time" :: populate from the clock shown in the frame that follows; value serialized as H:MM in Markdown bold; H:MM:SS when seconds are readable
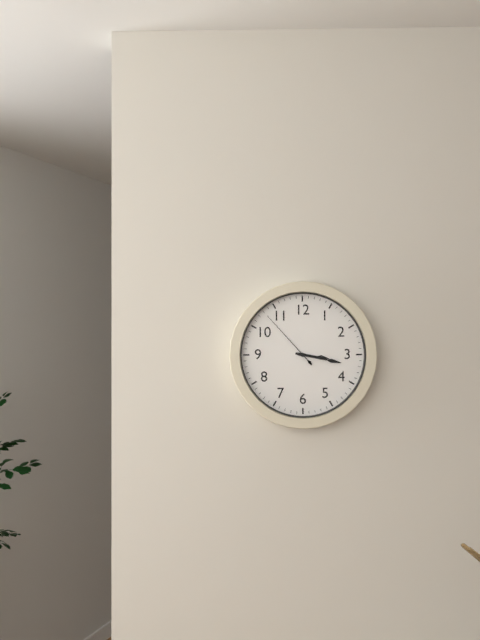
**3:17:53**
